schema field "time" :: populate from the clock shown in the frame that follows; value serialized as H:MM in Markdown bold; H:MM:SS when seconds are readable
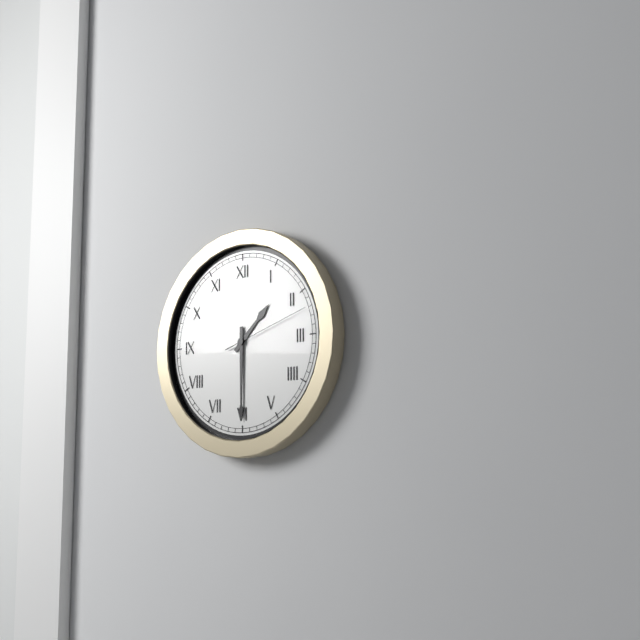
**1:30:12**
